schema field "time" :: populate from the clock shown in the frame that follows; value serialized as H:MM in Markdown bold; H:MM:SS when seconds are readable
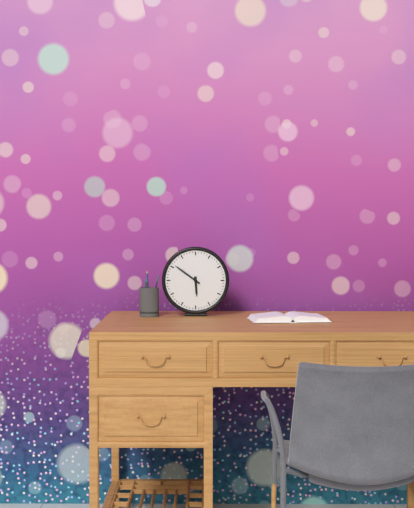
**5:51**
